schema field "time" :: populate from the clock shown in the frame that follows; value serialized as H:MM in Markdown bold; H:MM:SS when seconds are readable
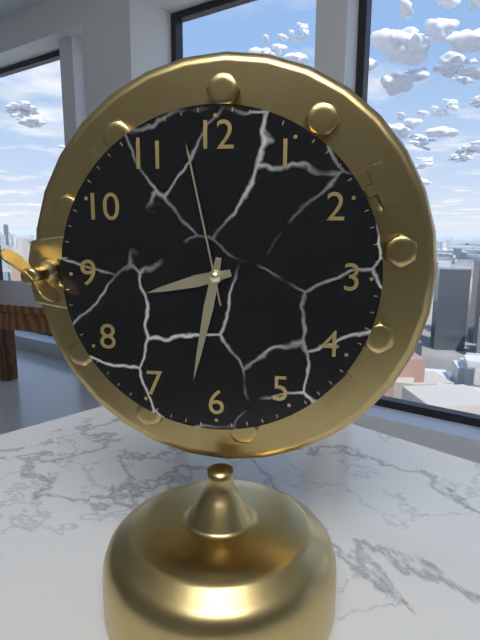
**8:32:58**
